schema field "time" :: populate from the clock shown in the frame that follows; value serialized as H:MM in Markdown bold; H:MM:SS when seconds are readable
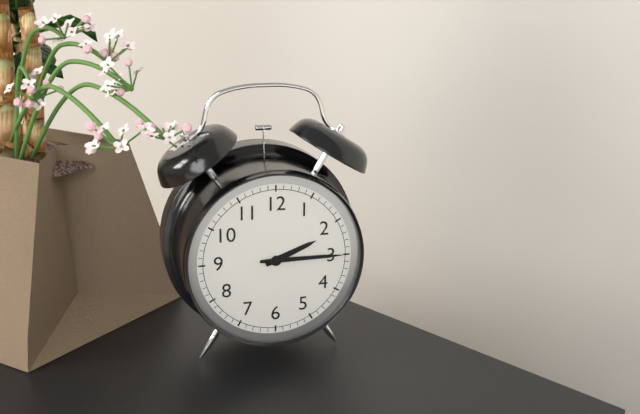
**2:15**
